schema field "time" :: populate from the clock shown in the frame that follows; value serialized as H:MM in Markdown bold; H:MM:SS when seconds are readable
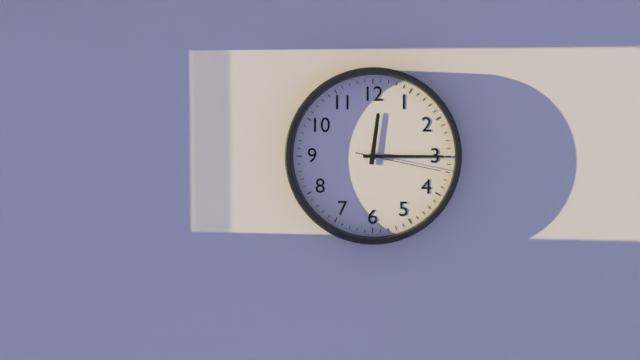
**12:15:17**
